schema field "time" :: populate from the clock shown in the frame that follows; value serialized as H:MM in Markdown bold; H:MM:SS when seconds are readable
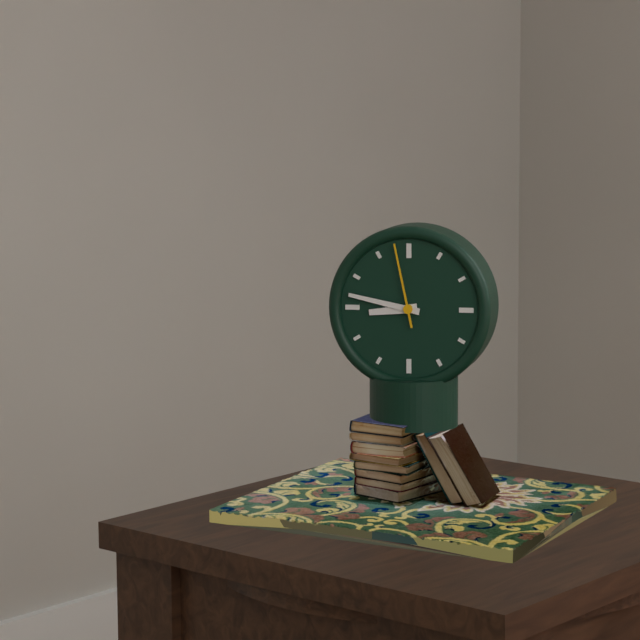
**8:47:58**
